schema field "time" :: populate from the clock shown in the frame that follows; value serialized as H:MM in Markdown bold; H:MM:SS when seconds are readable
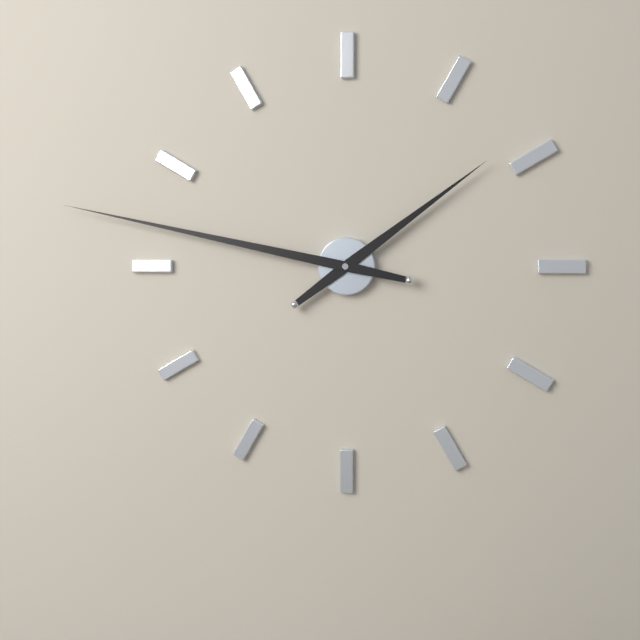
**1:47**
